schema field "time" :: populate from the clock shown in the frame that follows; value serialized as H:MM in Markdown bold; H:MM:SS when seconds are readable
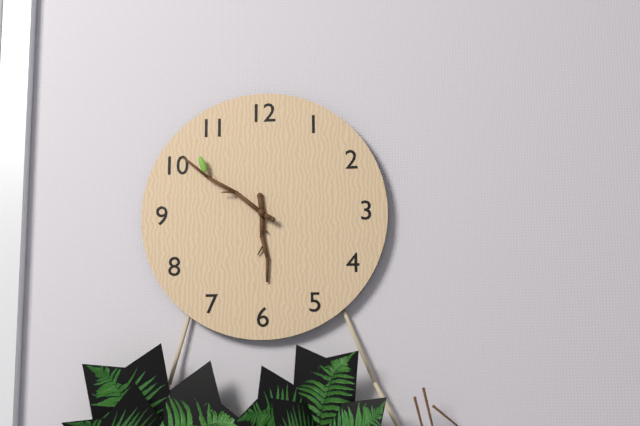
**5:51**
